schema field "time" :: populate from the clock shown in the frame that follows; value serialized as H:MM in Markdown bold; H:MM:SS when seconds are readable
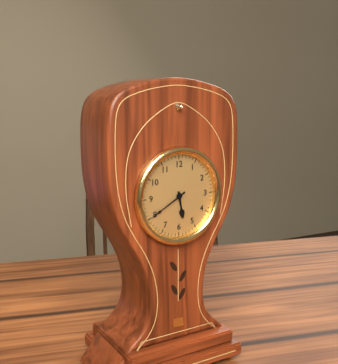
**5:40**
